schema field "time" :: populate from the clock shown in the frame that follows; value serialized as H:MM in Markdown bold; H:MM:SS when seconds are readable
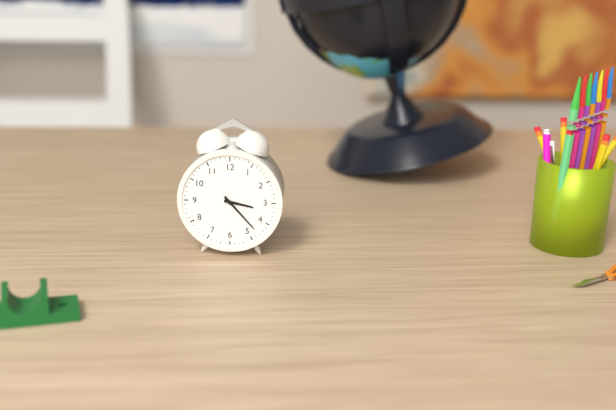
**3:23**
